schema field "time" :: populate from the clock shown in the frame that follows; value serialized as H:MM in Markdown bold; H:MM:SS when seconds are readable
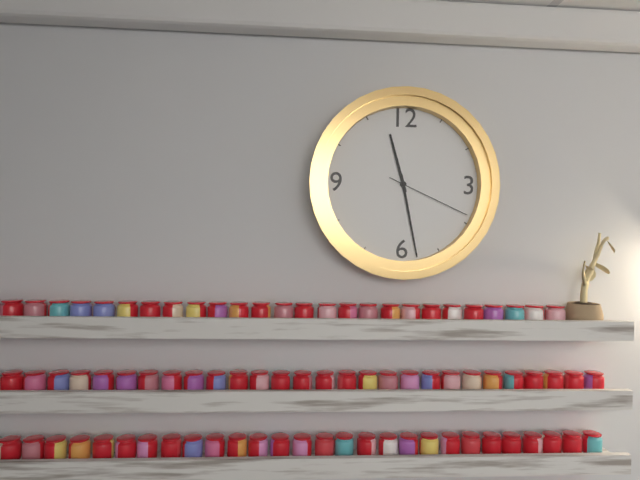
**11:28:19**
